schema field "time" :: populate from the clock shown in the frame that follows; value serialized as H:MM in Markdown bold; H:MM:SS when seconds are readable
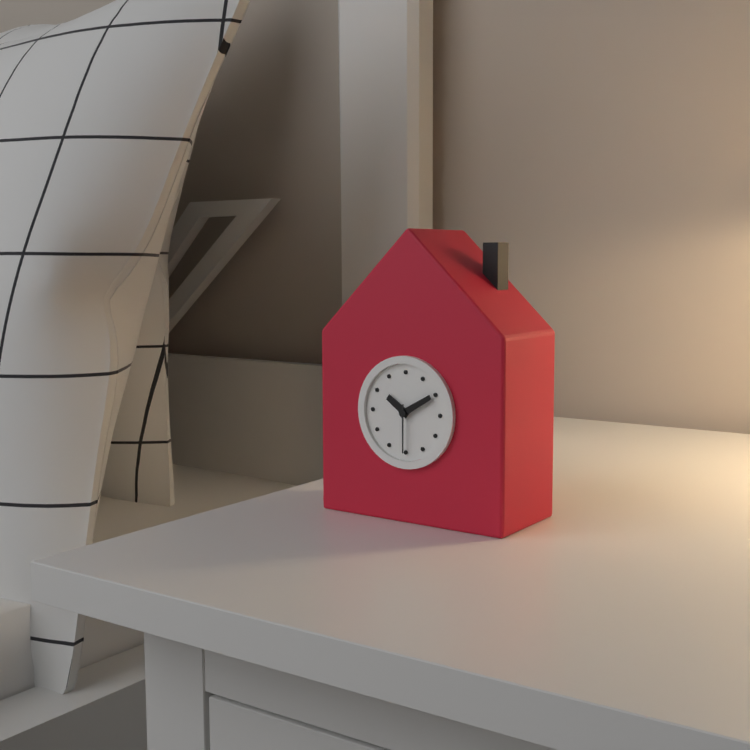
**10:10:30**
